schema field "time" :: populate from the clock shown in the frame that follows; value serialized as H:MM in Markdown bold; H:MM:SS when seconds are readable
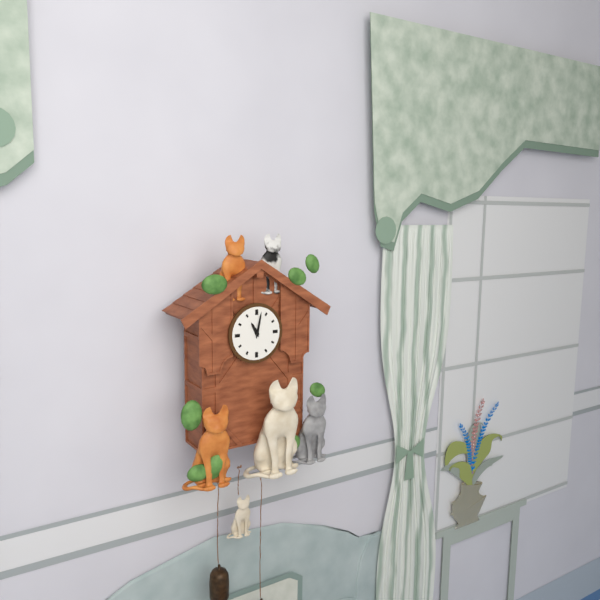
**11:02**
